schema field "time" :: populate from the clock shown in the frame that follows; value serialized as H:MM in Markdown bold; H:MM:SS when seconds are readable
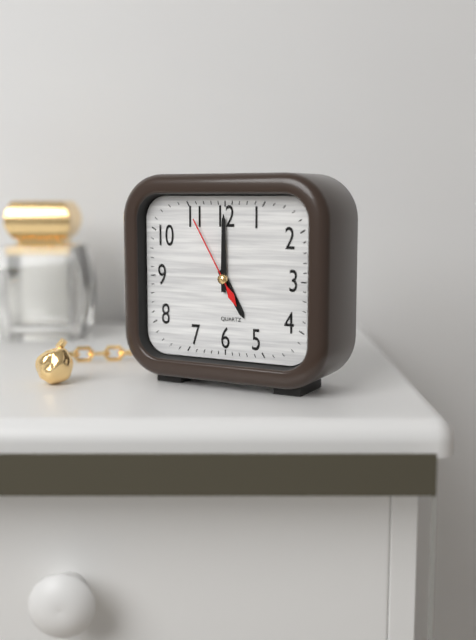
**5:00:55**
